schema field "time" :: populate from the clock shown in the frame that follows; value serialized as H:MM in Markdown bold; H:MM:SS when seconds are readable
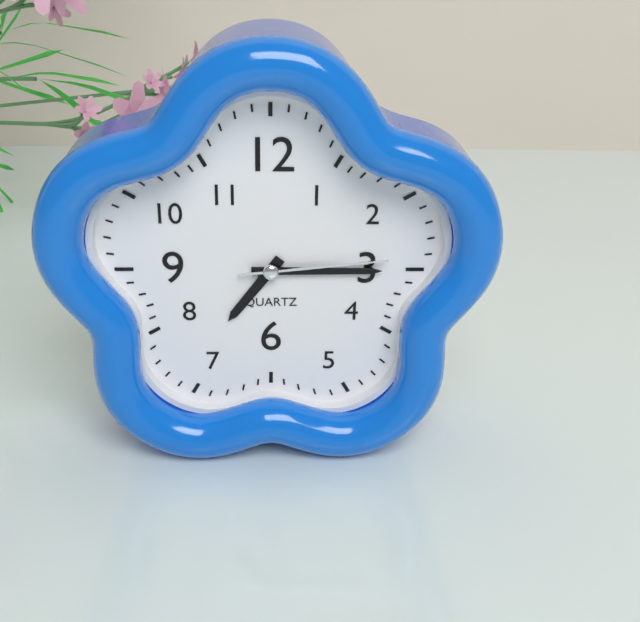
**7:15:14**
